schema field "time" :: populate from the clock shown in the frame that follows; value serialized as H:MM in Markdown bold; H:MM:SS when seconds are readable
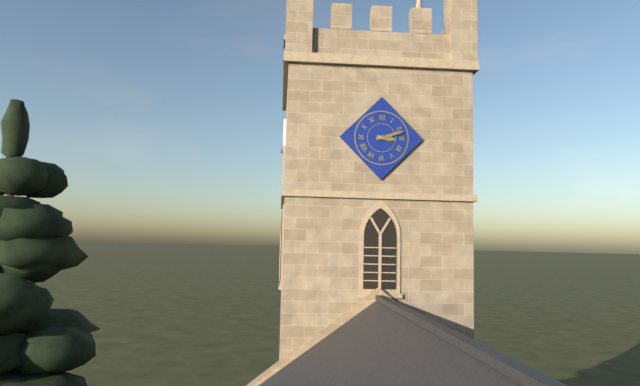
**3:12**
